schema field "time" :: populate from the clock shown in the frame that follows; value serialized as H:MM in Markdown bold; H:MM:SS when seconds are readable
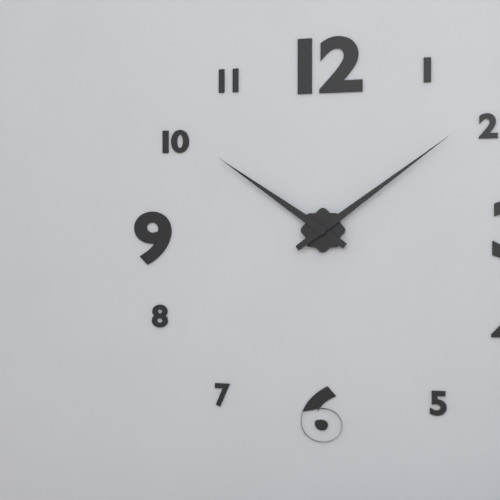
**10:09**
